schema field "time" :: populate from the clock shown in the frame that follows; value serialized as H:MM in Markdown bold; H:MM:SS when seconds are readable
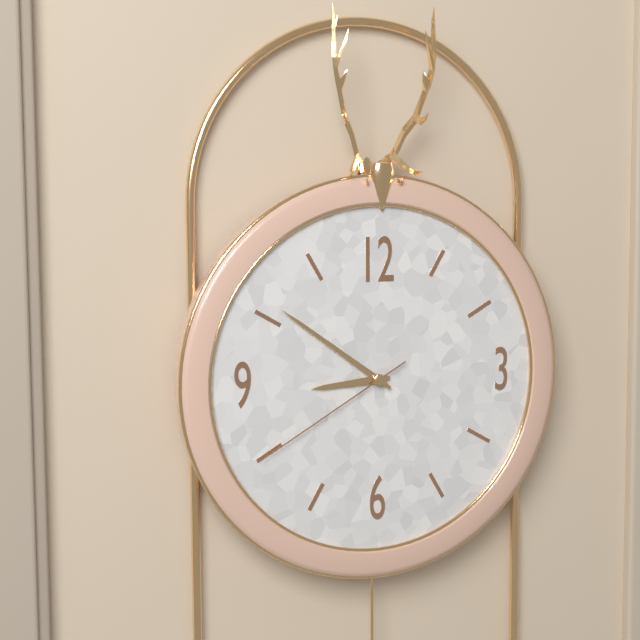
**8:51:40**
